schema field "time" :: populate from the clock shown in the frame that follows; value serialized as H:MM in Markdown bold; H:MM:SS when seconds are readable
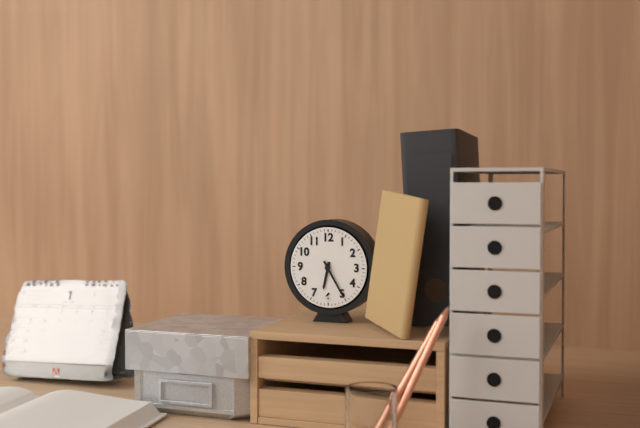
**6:25**
